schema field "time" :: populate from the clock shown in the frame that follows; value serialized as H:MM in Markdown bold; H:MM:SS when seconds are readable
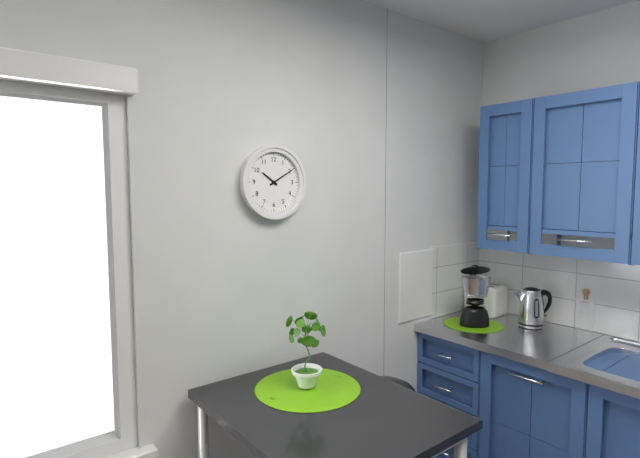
**10:10**
